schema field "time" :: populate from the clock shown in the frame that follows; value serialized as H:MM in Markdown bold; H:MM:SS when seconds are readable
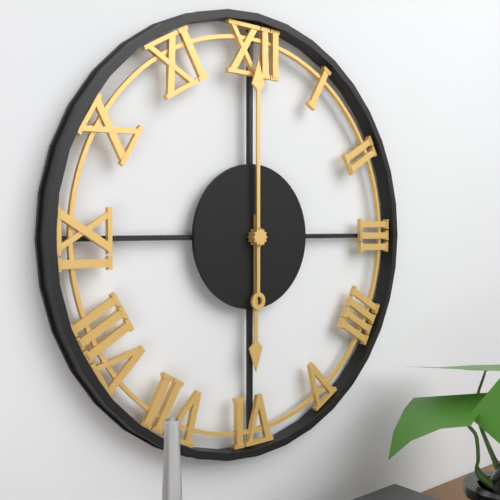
**6:00**
